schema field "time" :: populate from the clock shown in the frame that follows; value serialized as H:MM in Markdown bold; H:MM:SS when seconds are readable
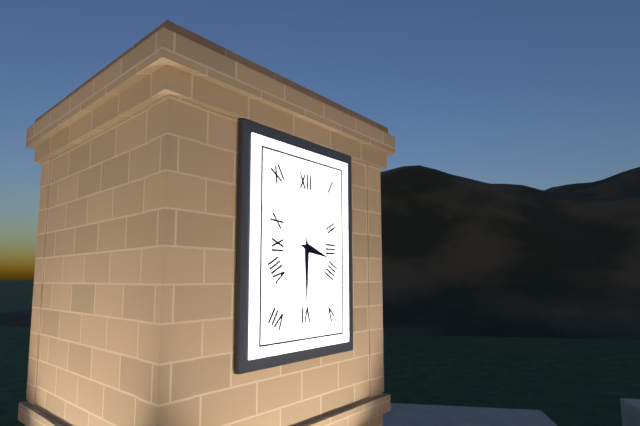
**3:30**
